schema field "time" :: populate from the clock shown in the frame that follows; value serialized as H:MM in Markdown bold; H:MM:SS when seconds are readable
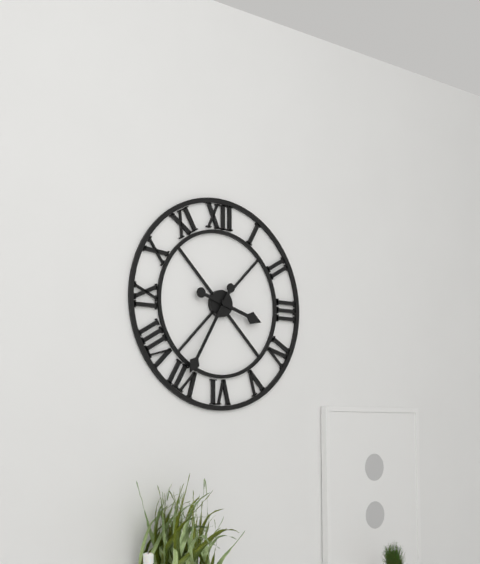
**3:35**
